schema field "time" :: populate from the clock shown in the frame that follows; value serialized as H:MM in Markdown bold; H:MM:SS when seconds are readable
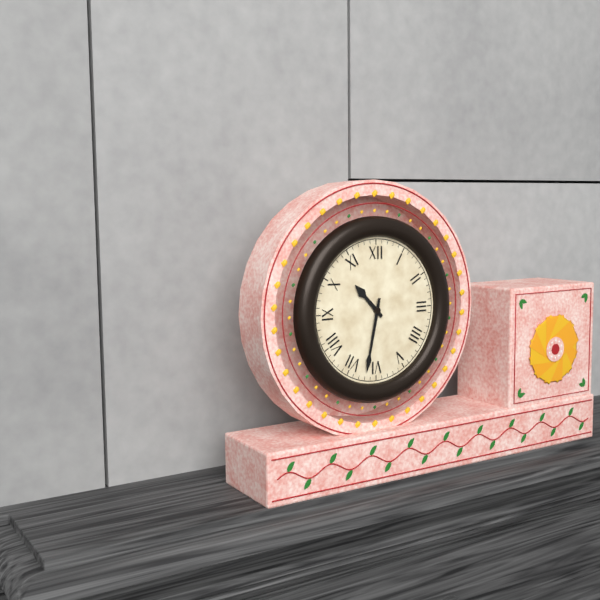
**10:32**
